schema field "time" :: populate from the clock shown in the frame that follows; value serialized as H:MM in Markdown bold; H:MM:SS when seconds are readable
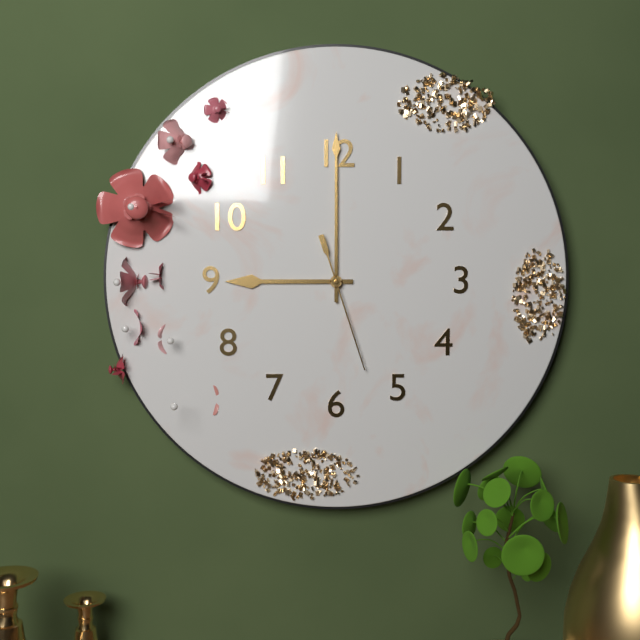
**9:00:27**
